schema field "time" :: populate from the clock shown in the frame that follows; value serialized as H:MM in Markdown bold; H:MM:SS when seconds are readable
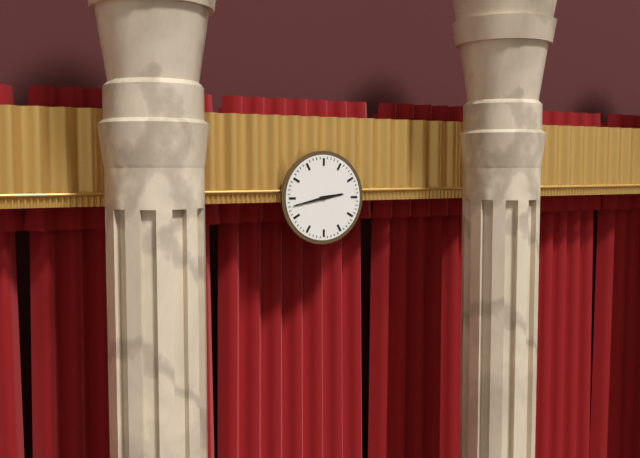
**2:43**
